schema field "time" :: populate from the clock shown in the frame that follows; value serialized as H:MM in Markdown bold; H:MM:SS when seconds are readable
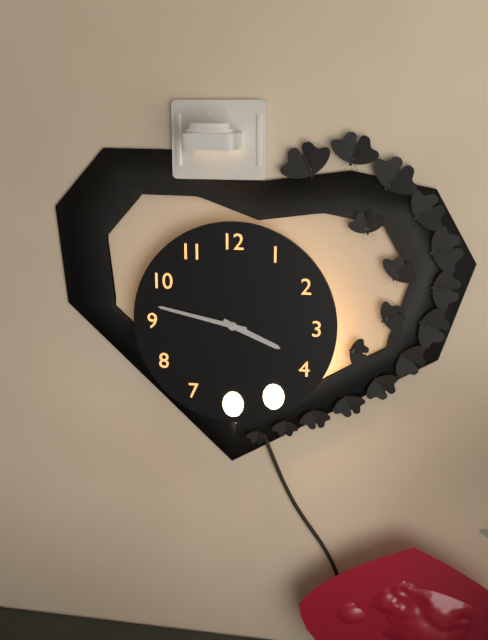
**3:47**
